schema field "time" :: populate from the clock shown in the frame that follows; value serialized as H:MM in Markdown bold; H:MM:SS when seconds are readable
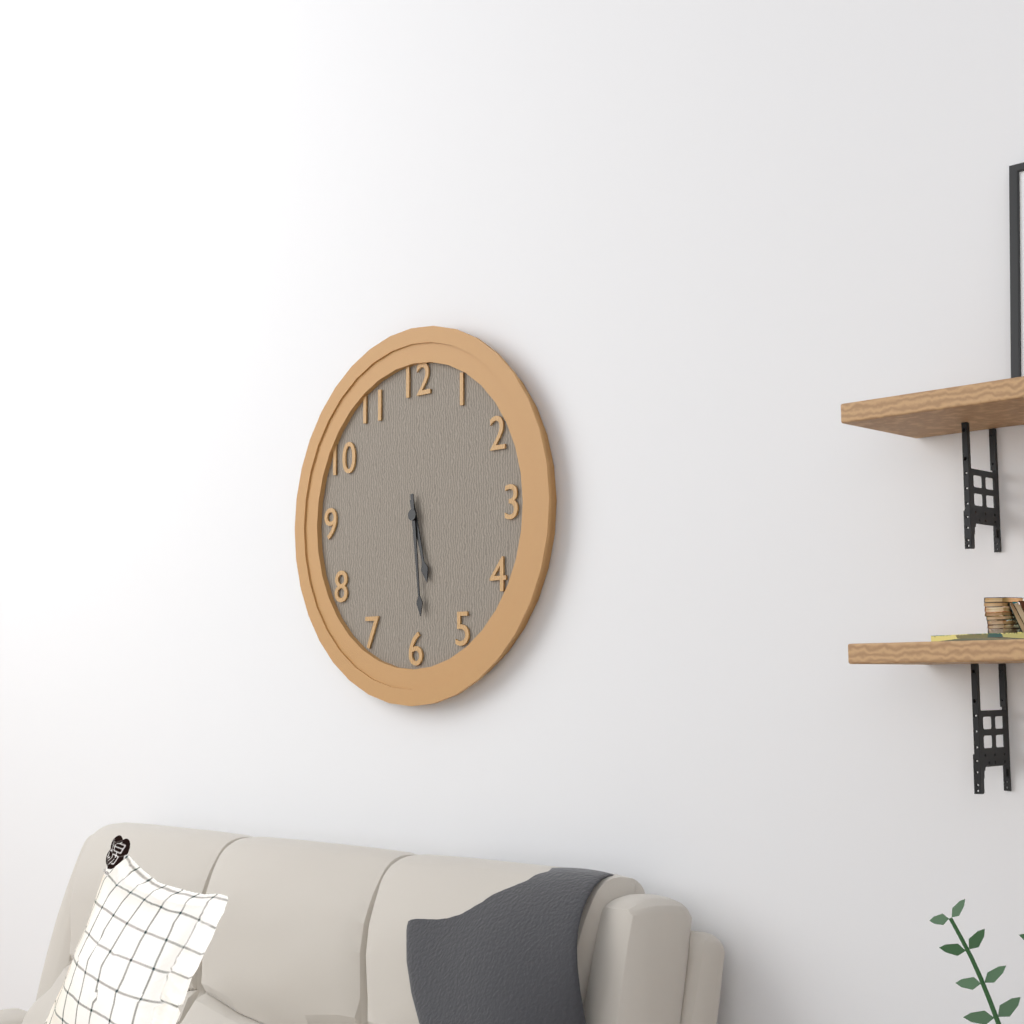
**5:29**
